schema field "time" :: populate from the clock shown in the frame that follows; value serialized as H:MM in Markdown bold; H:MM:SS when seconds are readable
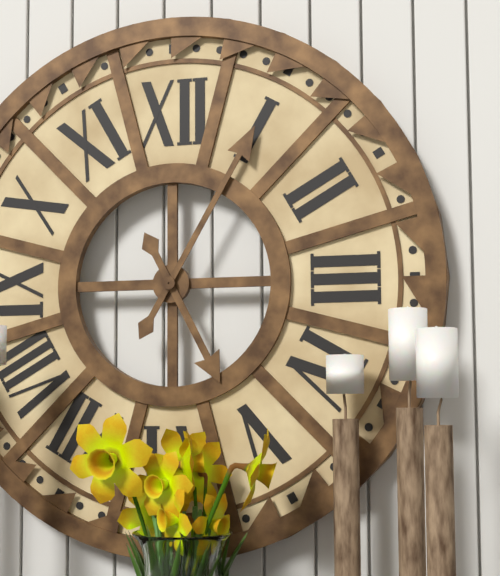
**5:05**
